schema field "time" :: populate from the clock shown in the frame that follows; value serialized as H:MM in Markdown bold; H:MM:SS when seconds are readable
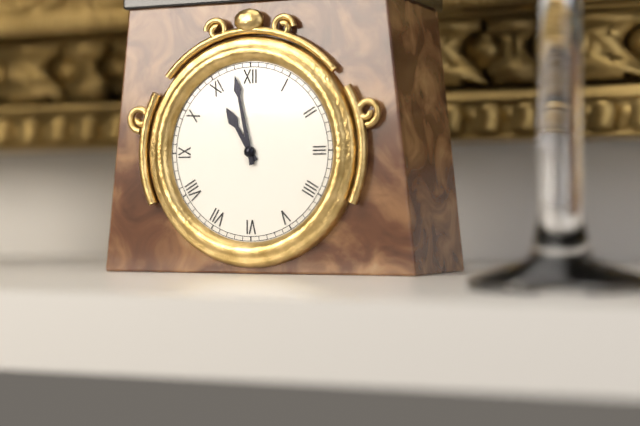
**10:58**
